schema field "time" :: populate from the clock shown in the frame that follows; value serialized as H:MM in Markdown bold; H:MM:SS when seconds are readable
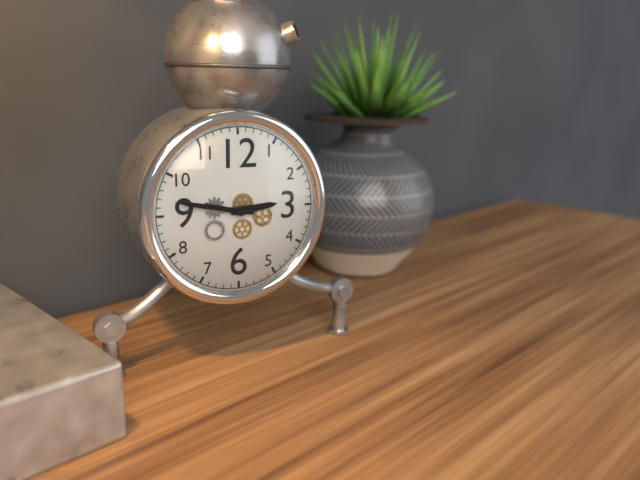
**2:47**
